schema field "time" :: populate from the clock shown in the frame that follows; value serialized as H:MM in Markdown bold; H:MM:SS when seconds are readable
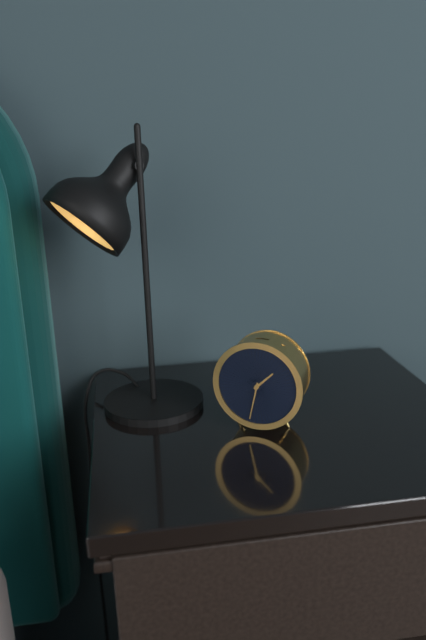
**1:32**
